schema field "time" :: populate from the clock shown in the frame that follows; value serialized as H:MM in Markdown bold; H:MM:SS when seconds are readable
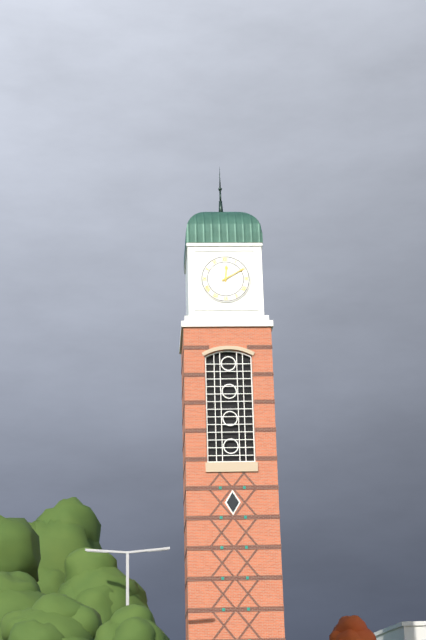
**12:10**
